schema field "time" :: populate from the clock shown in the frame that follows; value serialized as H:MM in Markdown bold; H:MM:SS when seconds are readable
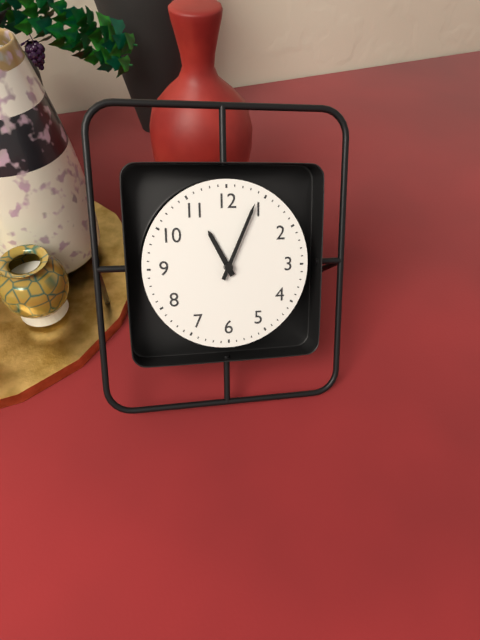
**11:04**
